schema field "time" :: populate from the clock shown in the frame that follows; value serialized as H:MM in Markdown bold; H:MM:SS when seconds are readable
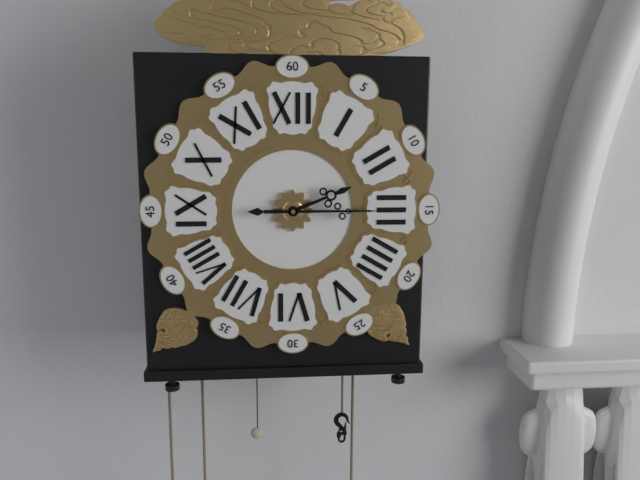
**2:15**
